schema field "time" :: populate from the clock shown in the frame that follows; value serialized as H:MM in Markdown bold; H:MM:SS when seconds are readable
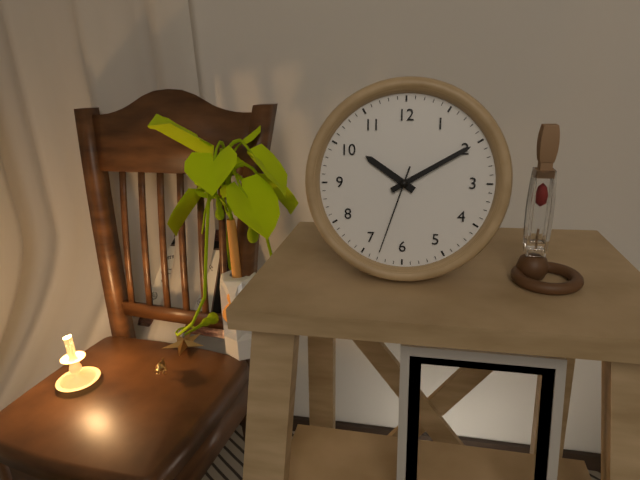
**10:10:33**
